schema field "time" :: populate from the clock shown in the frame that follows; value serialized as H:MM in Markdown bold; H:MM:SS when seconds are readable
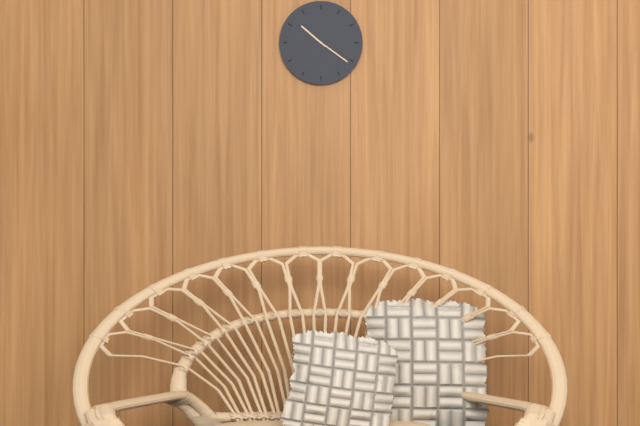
**10:21**
